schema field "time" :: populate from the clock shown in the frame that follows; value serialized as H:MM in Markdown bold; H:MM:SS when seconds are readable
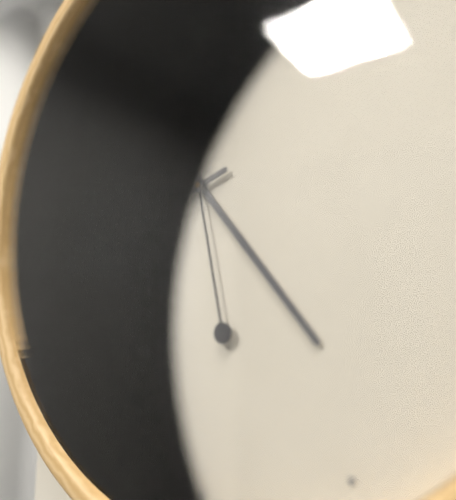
**4:42**
